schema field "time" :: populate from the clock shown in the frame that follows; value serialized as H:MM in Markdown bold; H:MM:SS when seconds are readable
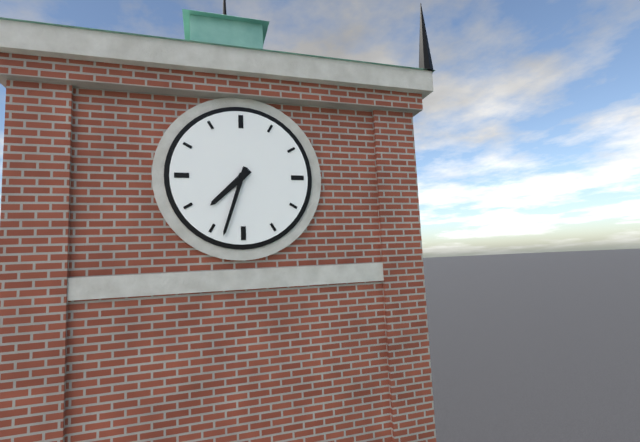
**7:33**
